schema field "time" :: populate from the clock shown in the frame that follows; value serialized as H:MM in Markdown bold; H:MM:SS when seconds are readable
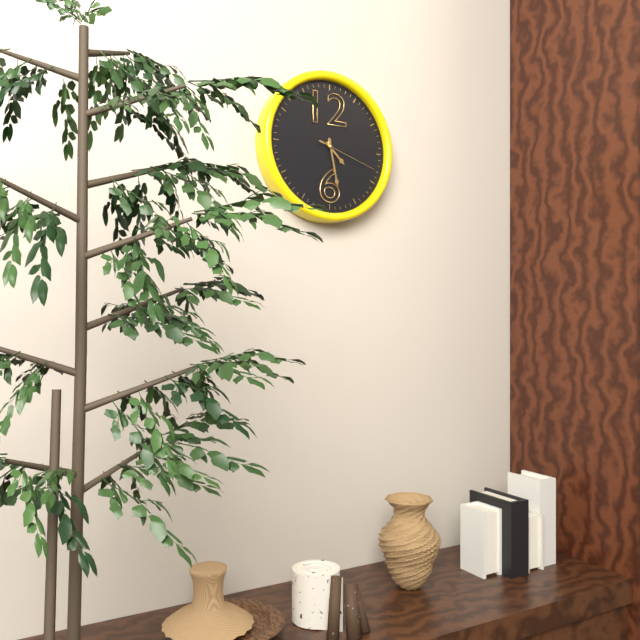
**4:28:18**
